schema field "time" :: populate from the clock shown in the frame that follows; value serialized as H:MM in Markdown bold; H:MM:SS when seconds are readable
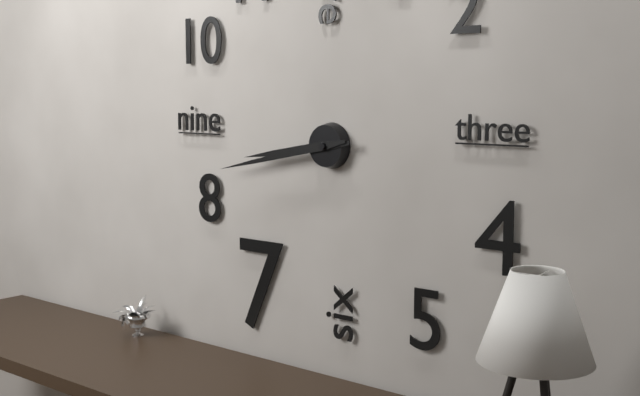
**8:43**
